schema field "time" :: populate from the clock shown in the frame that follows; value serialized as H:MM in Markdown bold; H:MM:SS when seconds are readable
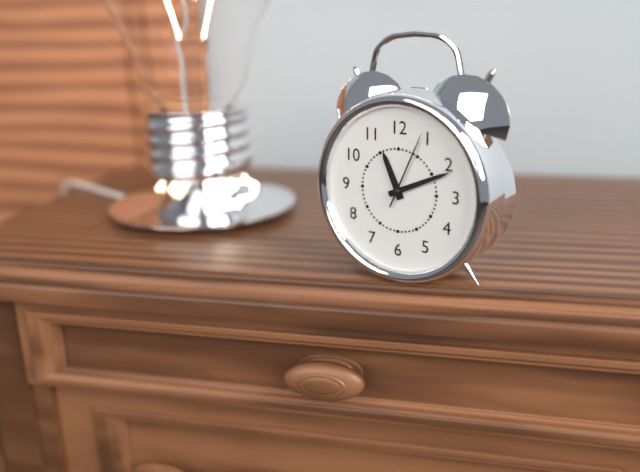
**11:11:04**
